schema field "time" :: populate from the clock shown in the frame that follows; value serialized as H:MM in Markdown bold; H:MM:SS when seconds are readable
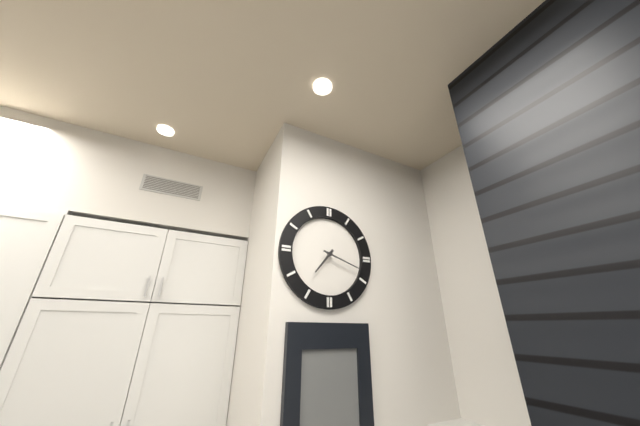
**7:18**
